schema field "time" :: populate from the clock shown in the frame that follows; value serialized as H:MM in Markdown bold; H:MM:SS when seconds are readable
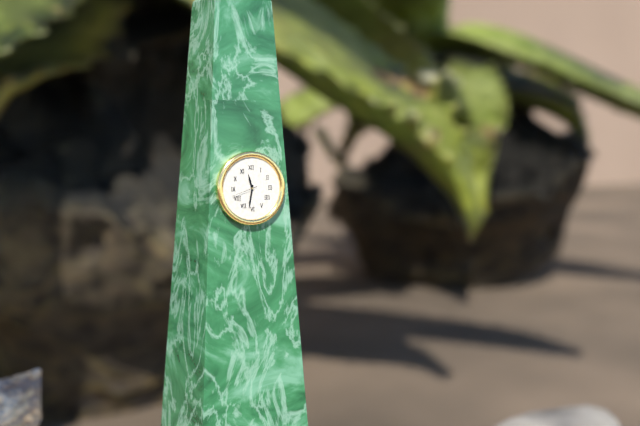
**11:32**
